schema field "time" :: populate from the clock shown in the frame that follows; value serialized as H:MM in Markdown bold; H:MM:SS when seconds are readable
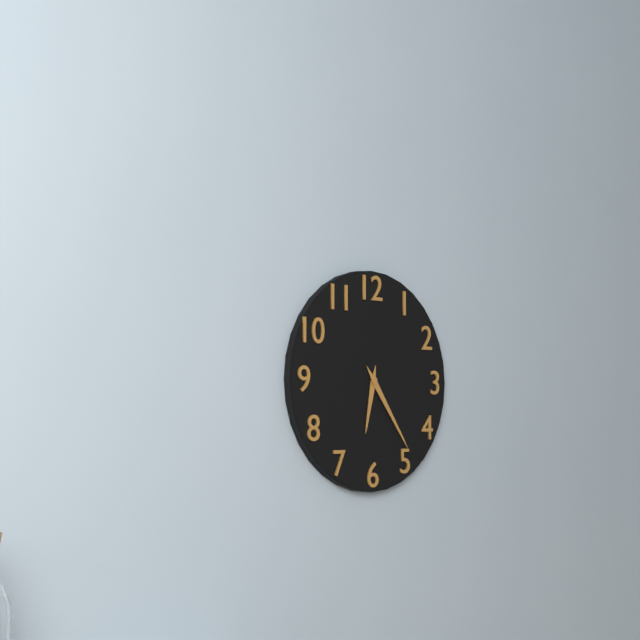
**6:24**
